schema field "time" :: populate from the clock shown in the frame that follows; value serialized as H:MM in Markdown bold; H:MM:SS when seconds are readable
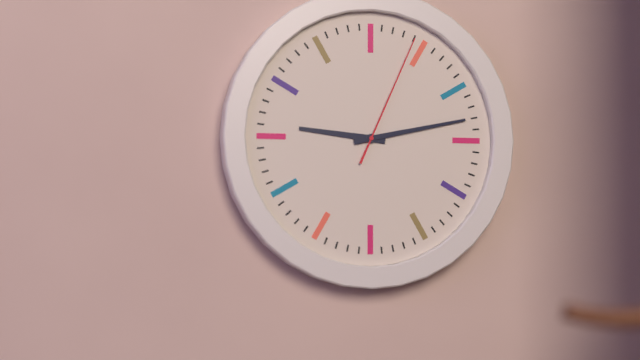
**9:13:04**
